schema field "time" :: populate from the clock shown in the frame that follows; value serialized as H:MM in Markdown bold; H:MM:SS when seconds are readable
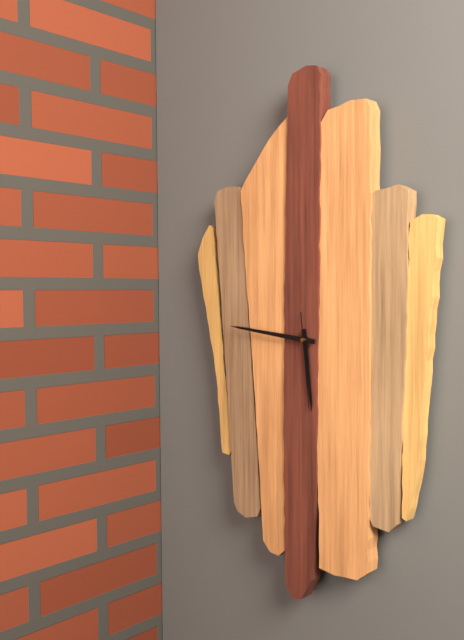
**5:46:29**
